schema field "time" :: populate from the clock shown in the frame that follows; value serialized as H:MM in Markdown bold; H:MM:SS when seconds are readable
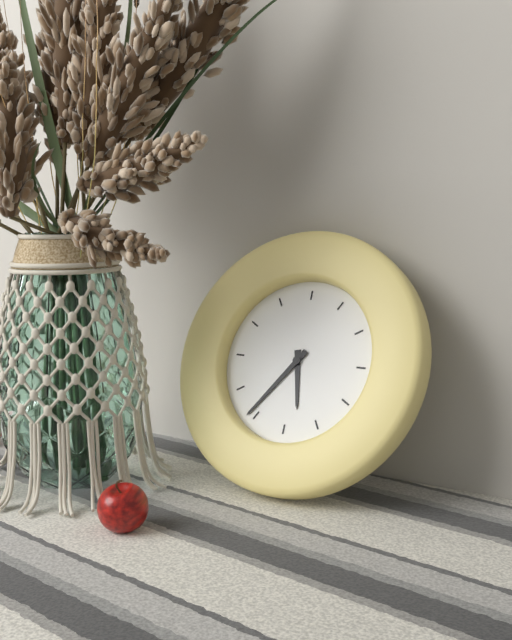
**5:36**
